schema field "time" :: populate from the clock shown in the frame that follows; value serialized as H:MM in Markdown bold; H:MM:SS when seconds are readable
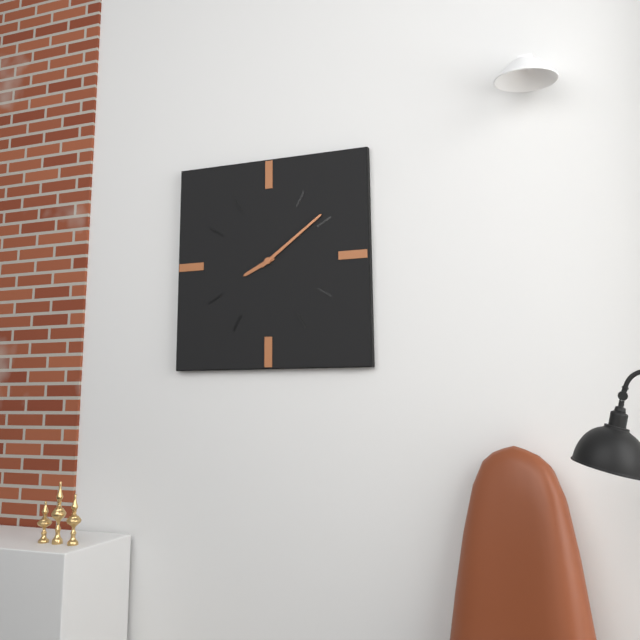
**8:09**
